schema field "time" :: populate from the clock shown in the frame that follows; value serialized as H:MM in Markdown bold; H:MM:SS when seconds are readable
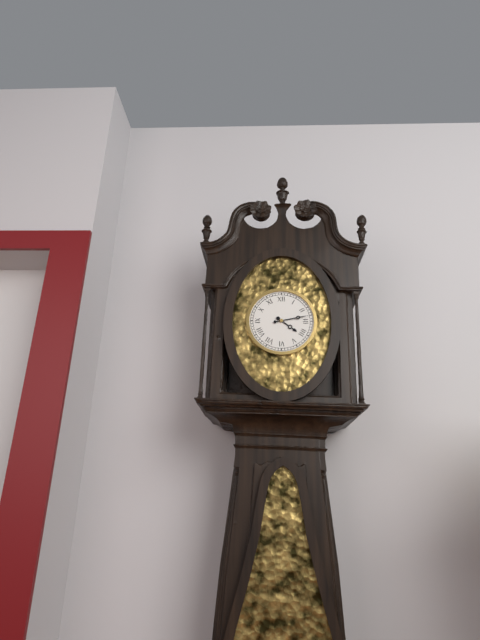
**4:13**
